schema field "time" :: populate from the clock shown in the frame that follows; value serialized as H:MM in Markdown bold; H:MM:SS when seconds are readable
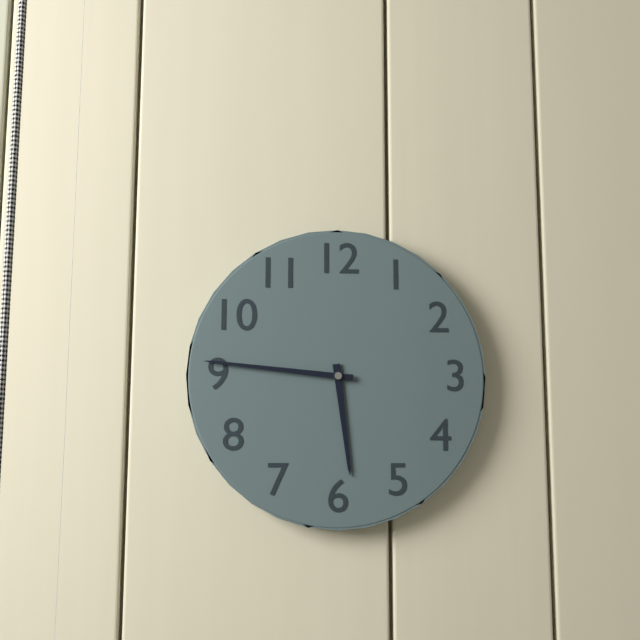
**5:46**
